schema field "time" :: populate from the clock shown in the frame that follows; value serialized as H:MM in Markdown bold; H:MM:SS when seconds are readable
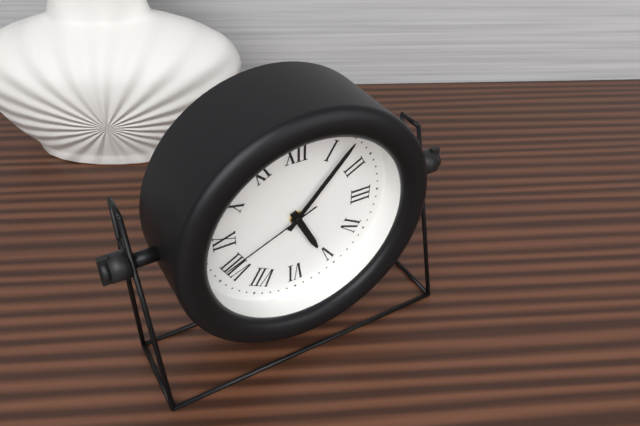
**5:07:41**
